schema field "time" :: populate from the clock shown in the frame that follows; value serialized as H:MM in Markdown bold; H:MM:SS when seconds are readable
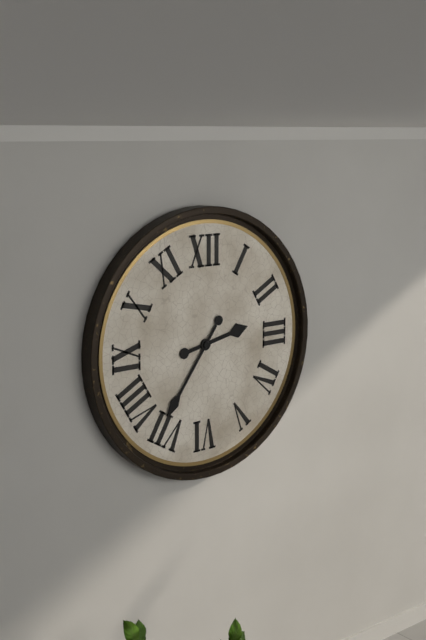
**2:36**
